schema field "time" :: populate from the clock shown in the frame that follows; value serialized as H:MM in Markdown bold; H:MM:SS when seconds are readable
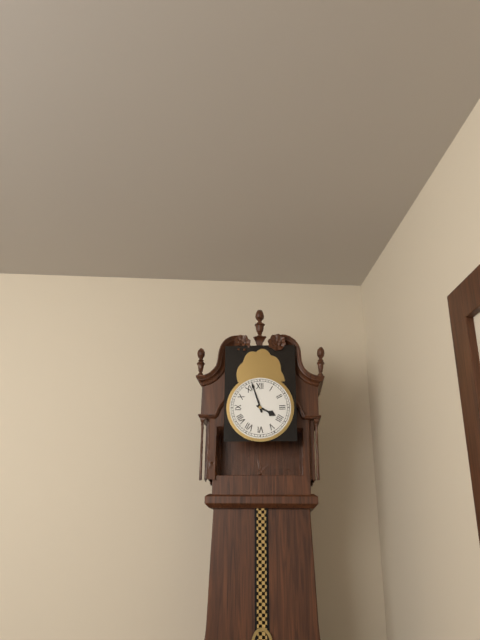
**3:57**
